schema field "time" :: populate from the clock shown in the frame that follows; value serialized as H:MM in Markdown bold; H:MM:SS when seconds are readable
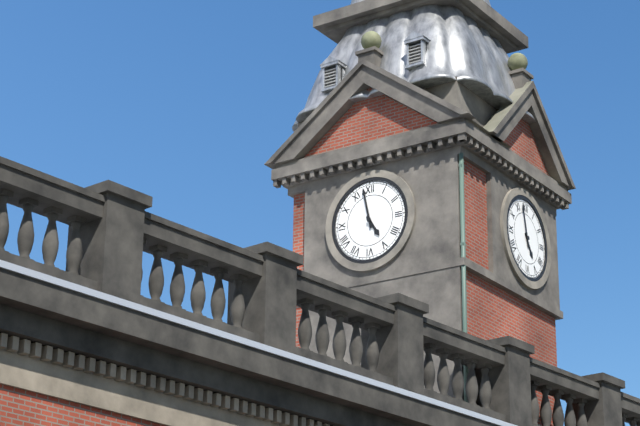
**4:58**
